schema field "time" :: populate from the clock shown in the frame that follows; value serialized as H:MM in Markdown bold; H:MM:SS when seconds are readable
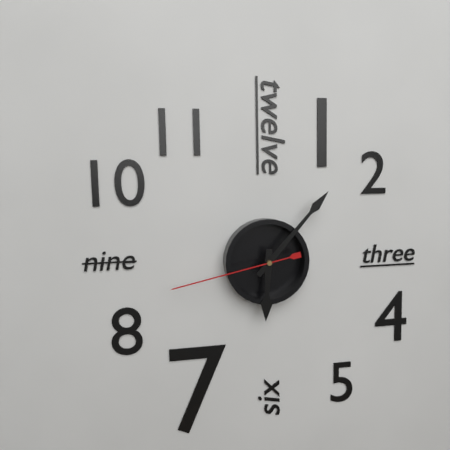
**6:07:43**
